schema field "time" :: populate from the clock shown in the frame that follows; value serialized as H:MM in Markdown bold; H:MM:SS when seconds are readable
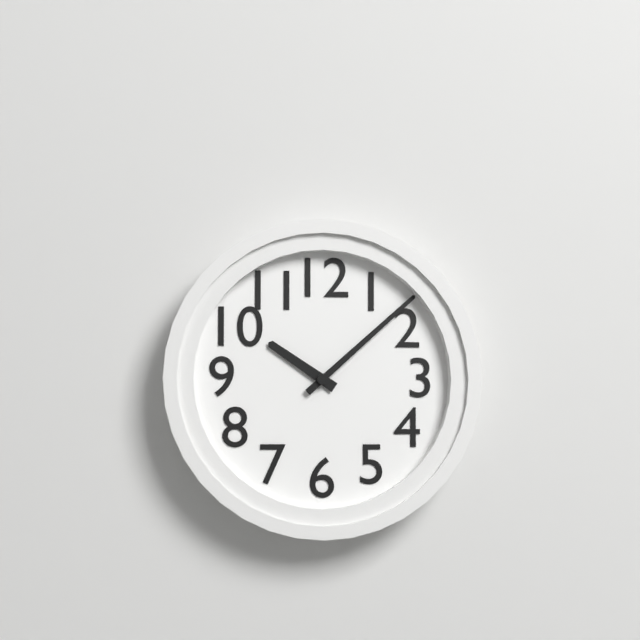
**10:08**
